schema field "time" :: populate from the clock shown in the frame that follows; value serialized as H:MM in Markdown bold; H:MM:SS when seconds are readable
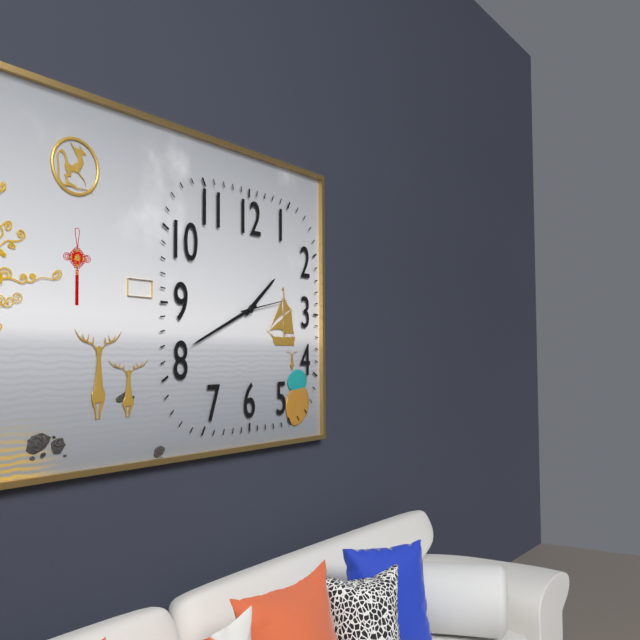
**1:41**
